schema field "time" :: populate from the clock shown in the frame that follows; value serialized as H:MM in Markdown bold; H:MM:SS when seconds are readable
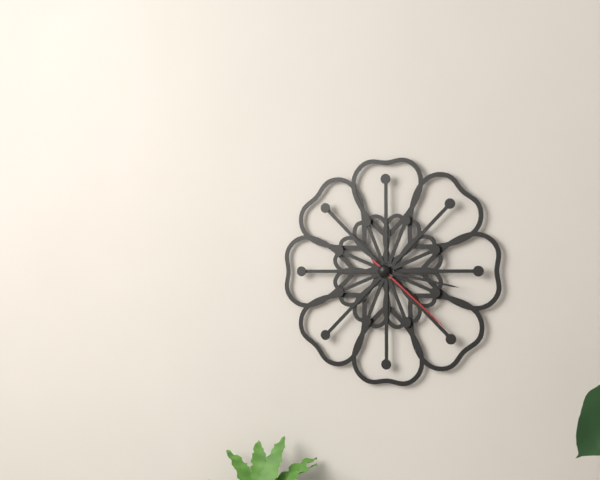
**2:17:22**
